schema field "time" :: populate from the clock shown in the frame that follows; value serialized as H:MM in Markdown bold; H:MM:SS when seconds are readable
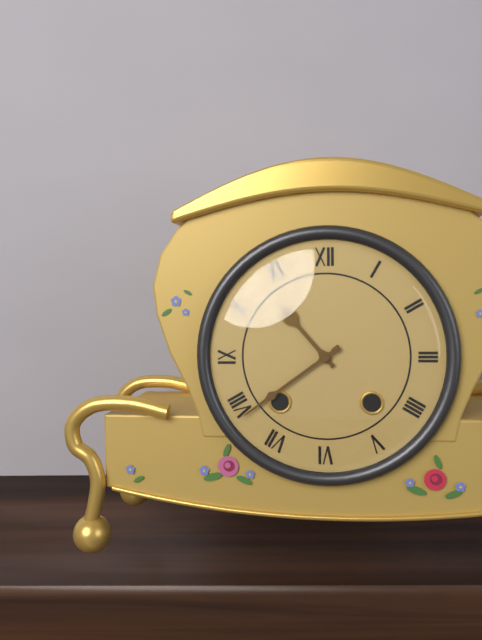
**10:39**
